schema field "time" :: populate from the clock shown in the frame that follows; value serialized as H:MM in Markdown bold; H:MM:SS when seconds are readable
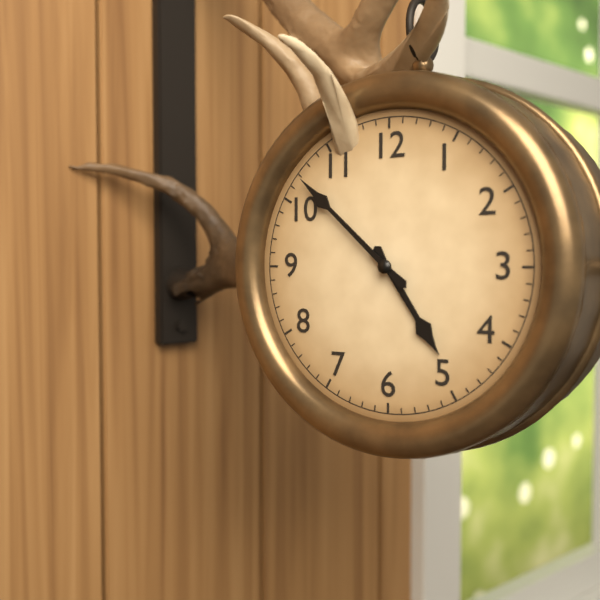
**4:52**
